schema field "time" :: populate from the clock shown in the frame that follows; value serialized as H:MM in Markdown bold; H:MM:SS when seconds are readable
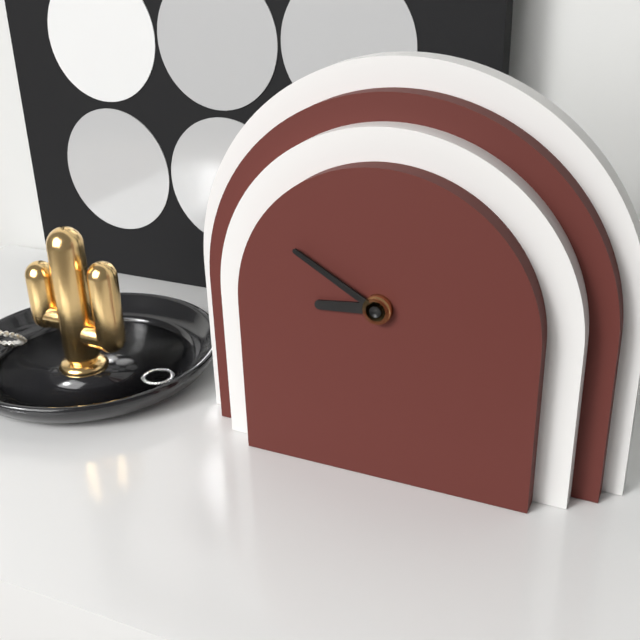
**8:50**
